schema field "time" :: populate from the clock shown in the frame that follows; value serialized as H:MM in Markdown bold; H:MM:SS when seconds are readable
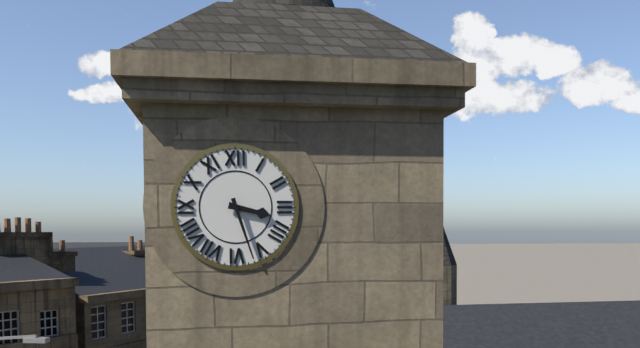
**3:27**
